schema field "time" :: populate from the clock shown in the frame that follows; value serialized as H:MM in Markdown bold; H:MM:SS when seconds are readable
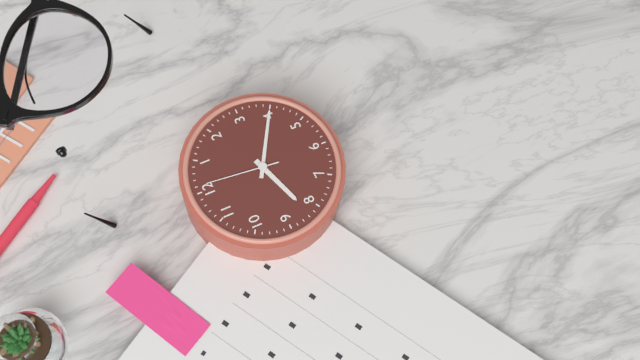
**8:20:01**
